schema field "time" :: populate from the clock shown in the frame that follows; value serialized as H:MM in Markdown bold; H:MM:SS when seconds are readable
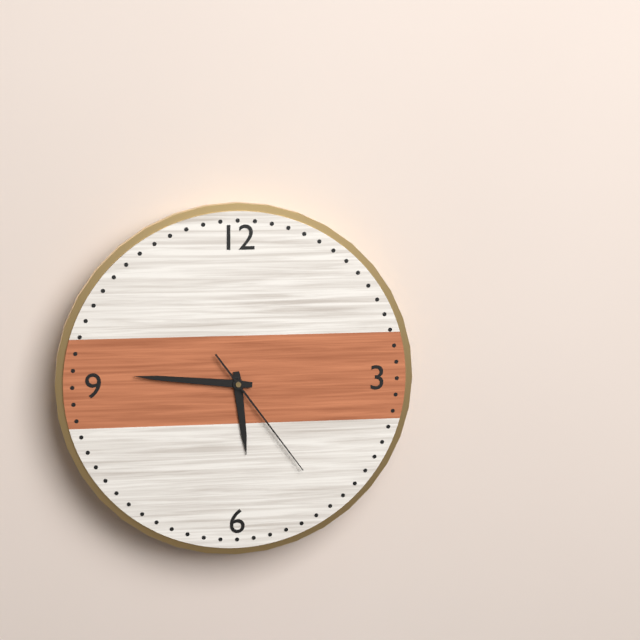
**5:46:24**
